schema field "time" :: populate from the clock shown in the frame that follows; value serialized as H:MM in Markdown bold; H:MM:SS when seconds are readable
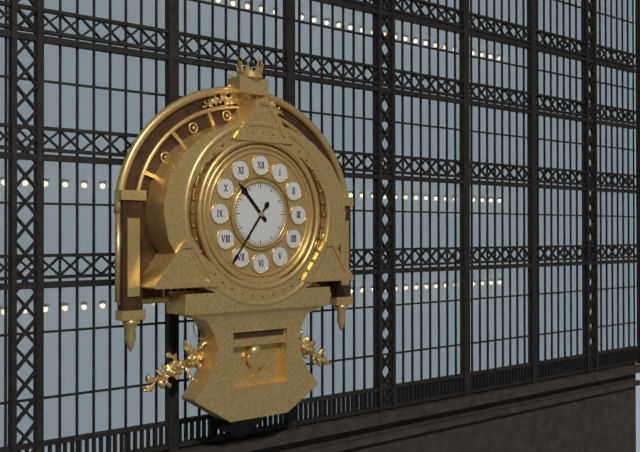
**10:36**
